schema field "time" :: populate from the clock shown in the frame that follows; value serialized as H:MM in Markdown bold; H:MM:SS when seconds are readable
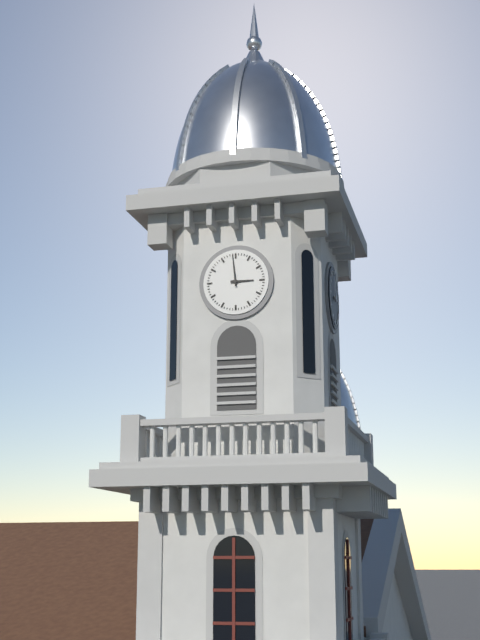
**2:59**
